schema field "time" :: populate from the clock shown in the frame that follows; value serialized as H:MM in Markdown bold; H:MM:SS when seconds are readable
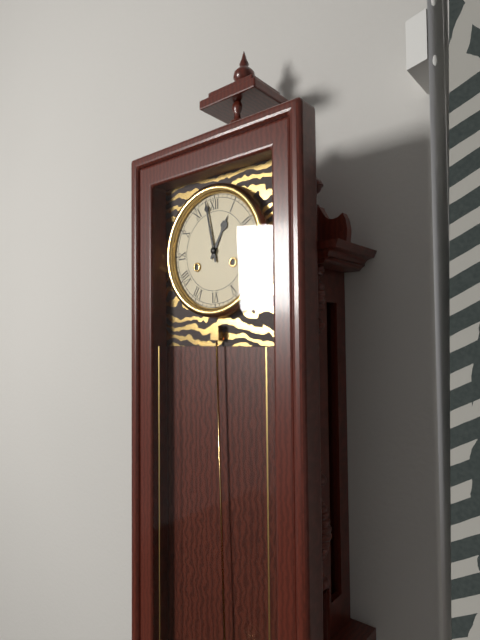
**12:58**
